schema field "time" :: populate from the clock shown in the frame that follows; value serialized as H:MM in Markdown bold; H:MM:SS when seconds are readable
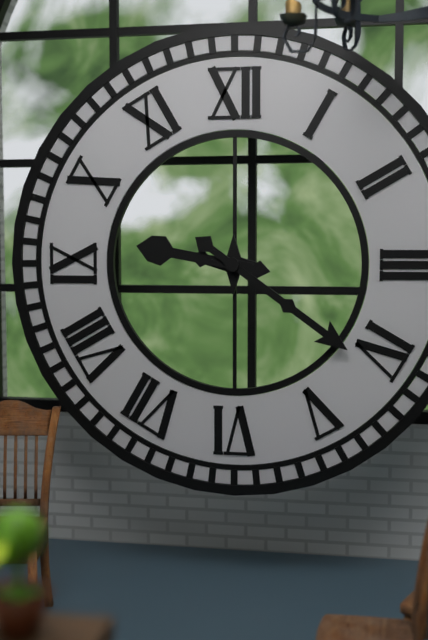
**9:21**
